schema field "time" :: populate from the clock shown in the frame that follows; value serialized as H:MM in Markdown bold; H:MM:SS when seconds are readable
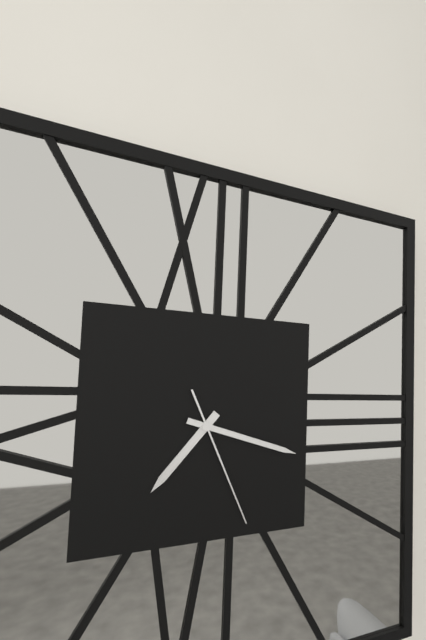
**7:18:26**
